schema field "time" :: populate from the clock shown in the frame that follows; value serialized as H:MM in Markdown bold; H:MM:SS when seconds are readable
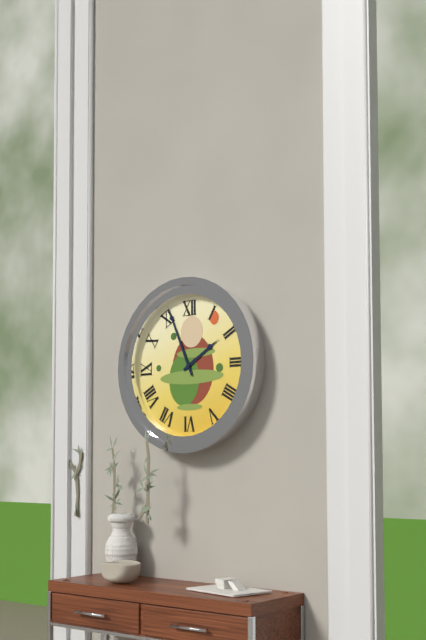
**1:56**
